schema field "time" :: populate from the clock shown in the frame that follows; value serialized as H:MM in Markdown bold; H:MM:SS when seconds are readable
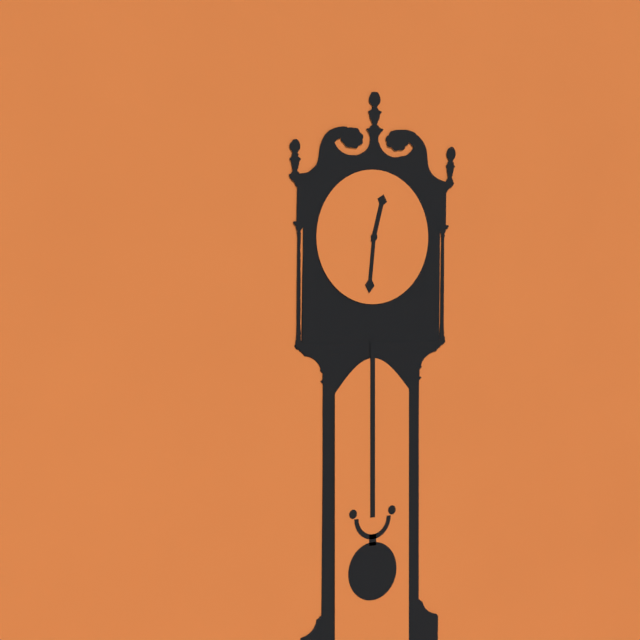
**12:31**
